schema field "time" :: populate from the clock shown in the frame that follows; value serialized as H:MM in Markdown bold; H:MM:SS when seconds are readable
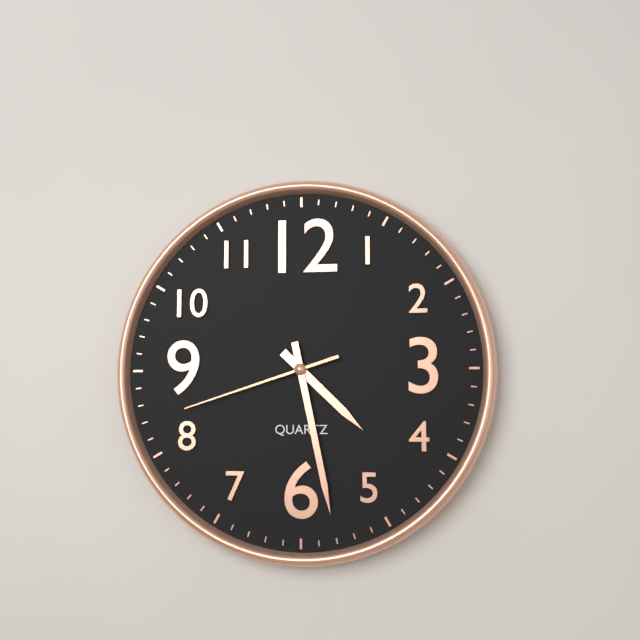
**4:28:42**
